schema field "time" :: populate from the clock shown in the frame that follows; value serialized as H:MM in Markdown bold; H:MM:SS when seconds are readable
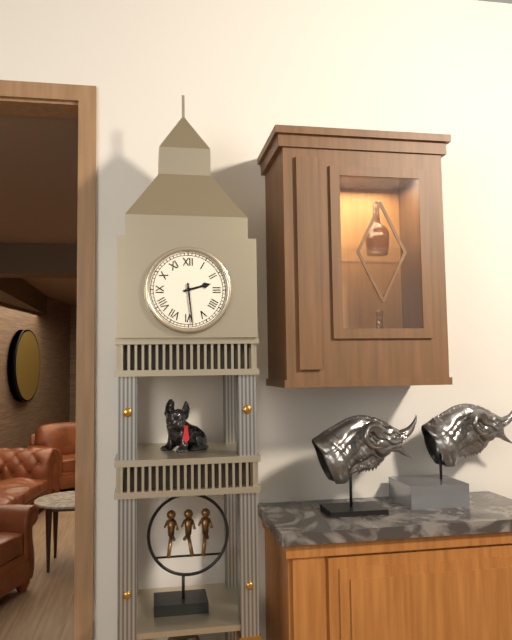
**2:29**
